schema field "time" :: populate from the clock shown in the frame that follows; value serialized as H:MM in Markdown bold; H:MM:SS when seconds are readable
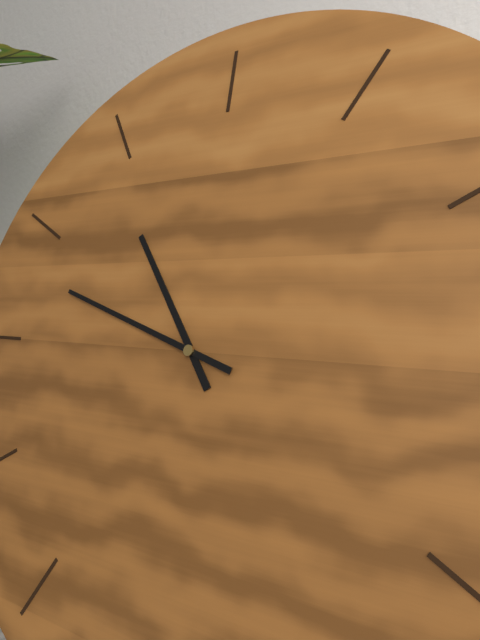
**10:48**
